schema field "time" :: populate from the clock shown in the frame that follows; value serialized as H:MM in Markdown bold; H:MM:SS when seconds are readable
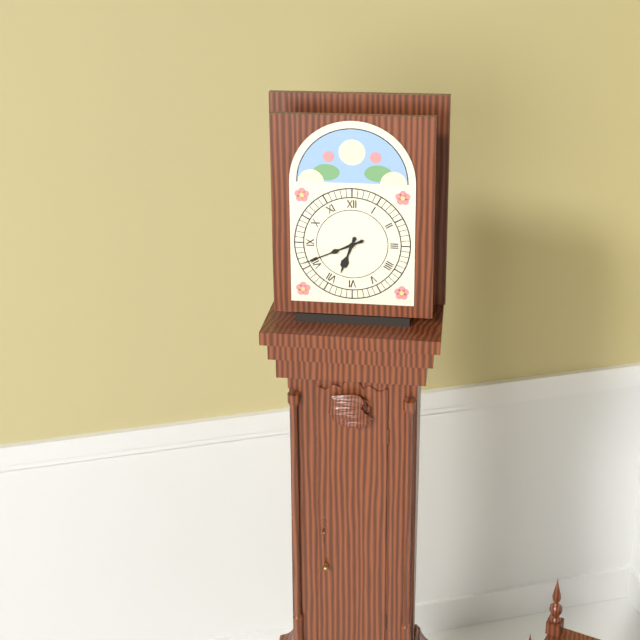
**6:41**
